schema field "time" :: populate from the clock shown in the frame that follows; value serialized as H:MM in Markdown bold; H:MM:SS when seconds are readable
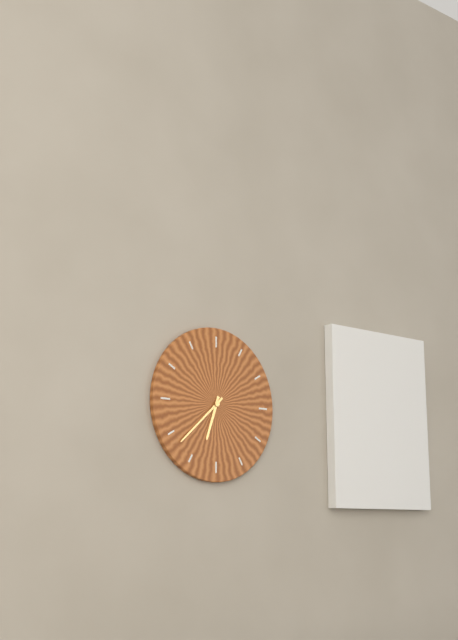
**6:38**
